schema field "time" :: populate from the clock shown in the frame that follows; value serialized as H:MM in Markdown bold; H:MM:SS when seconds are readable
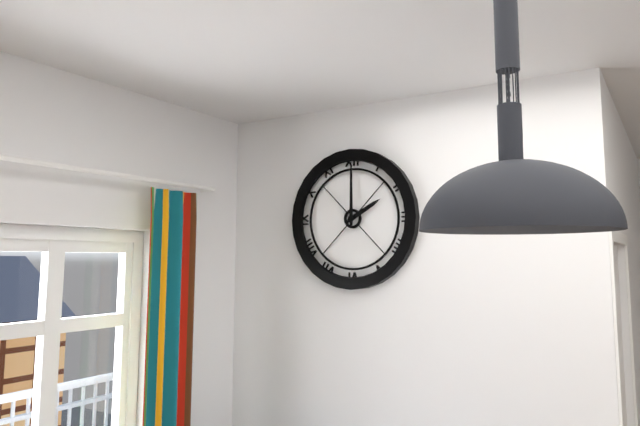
**2:00**
